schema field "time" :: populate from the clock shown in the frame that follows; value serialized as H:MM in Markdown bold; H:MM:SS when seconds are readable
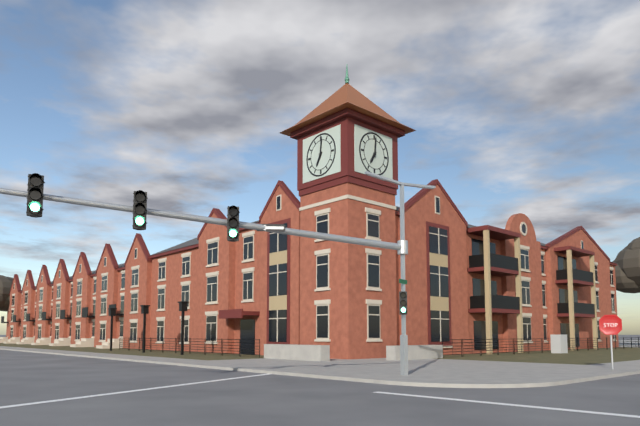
**7:01**
